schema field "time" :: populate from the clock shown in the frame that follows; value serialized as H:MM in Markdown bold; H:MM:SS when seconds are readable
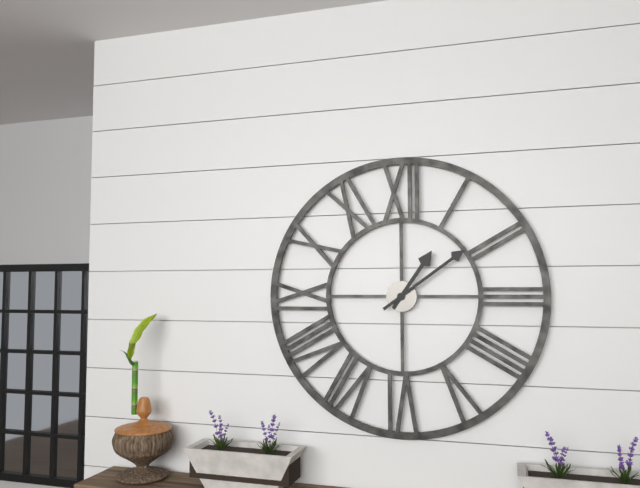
**1:09**
